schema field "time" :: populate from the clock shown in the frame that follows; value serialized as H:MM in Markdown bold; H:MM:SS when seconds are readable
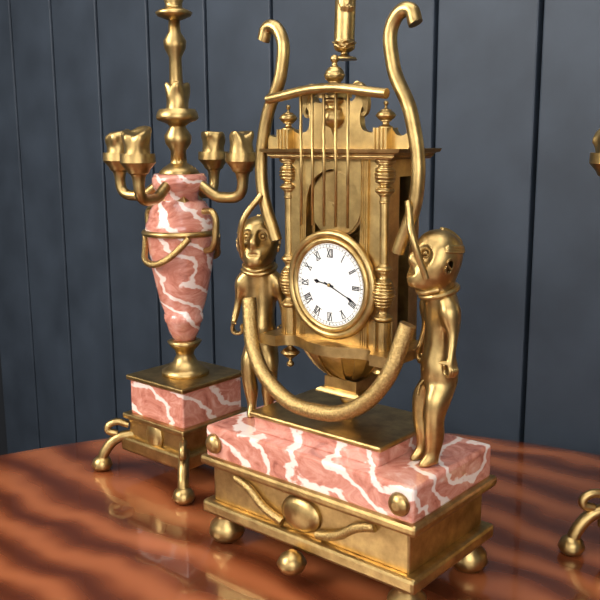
**9:19**
